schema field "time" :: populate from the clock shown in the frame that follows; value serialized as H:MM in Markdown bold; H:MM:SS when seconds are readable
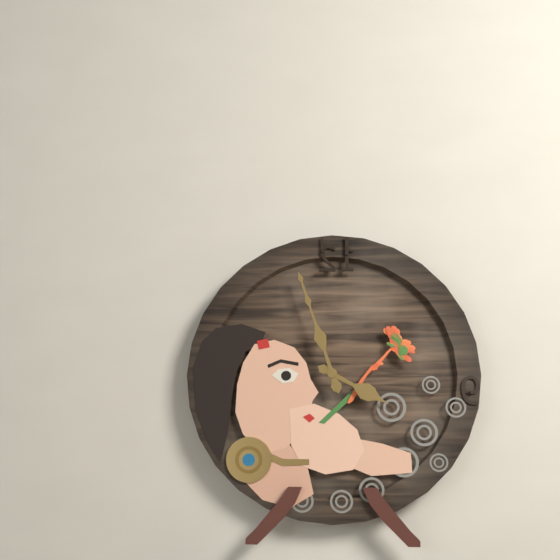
**3:57**
